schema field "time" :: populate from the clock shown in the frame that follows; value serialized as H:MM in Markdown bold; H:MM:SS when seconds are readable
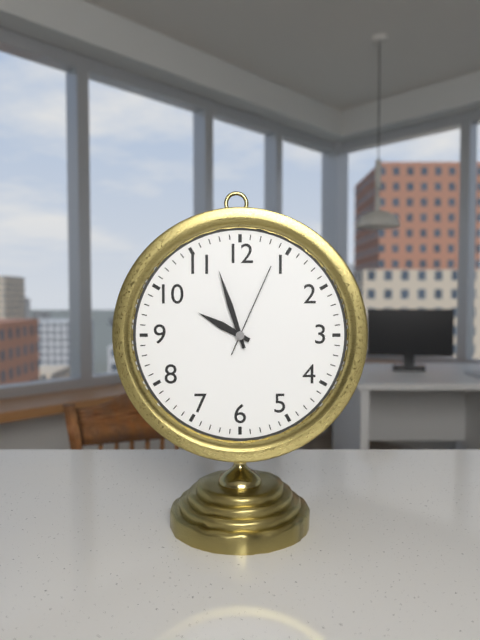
**9:57:04**
